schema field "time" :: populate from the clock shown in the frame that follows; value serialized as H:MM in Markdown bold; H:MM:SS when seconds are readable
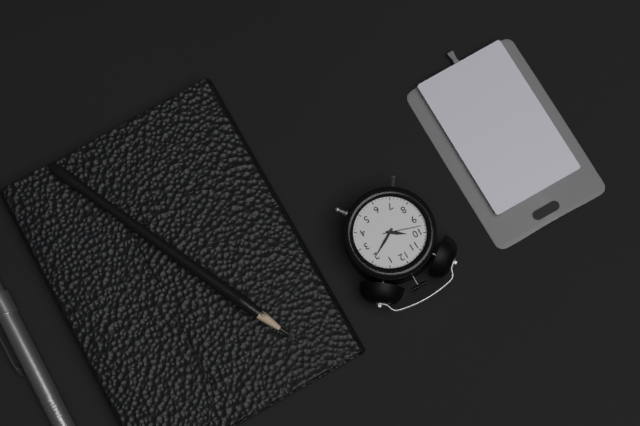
**10:10**
